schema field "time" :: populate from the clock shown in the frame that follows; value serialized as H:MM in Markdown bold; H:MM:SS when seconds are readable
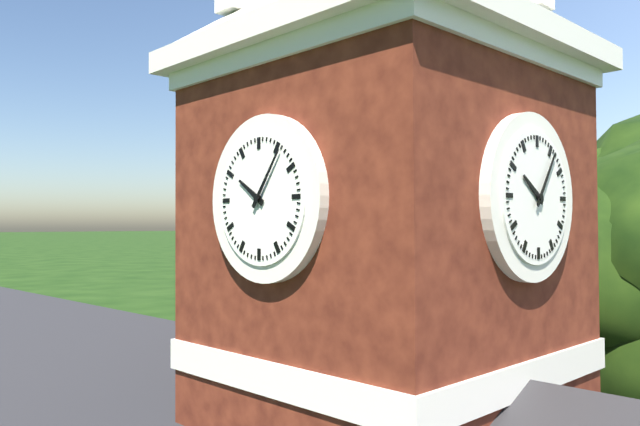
**10:06**
